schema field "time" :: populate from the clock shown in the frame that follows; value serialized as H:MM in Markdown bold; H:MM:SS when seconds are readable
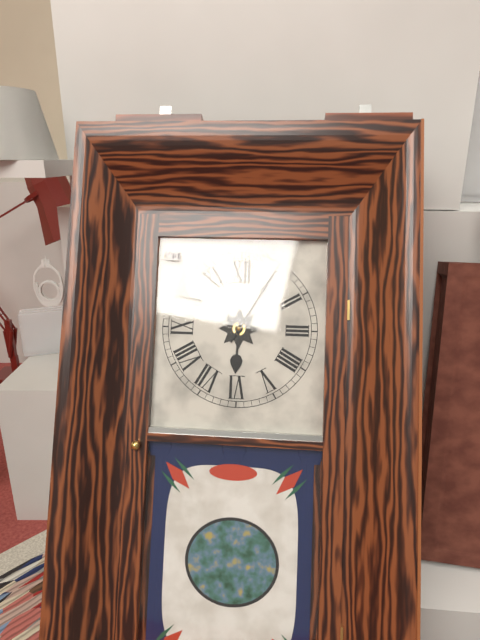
**6:05**
